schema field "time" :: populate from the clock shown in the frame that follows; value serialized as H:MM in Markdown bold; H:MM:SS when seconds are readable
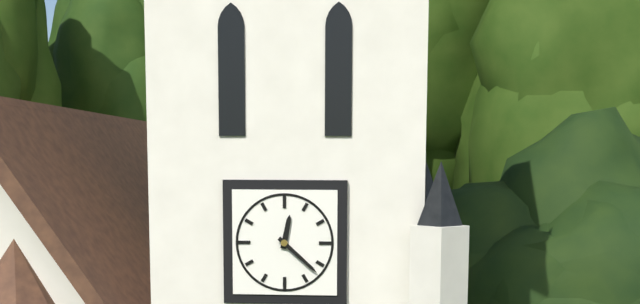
**12:22**
